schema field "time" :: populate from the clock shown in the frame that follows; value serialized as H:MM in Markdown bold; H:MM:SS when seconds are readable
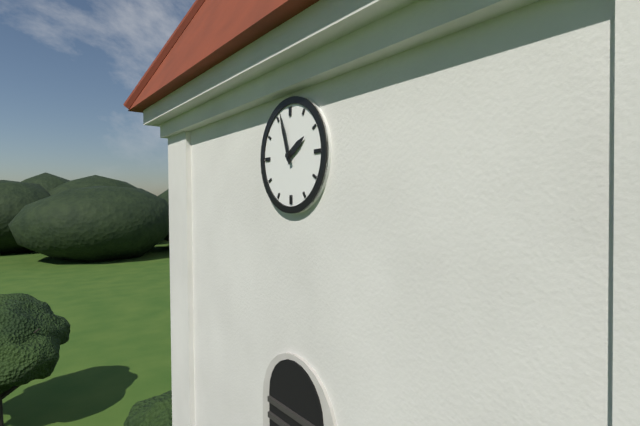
**1:57**
